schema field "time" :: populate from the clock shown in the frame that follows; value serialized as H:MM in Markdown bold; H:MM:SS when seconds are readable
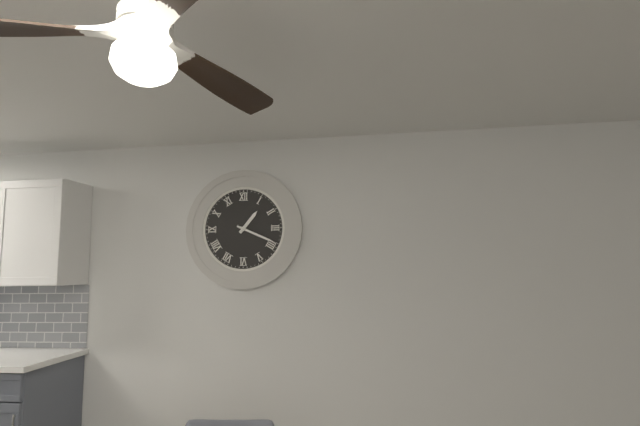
**1:19**
